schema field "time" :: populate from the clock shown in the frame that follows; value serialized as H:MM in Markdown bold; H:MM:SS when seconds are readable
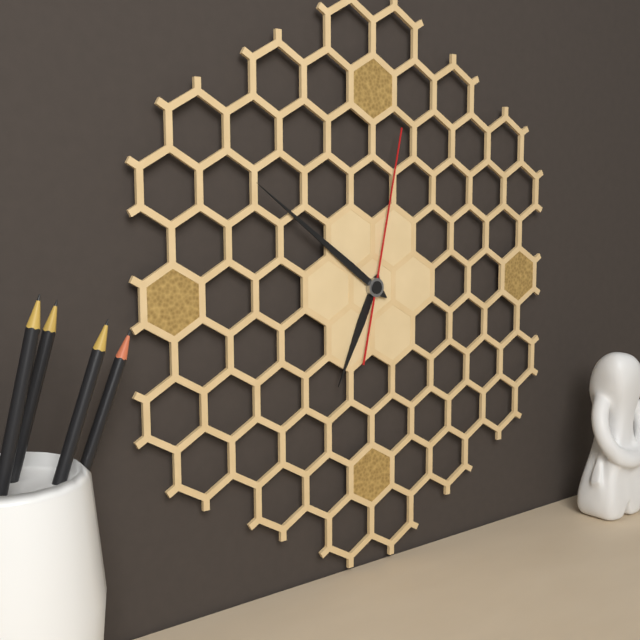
**6:51:02**
